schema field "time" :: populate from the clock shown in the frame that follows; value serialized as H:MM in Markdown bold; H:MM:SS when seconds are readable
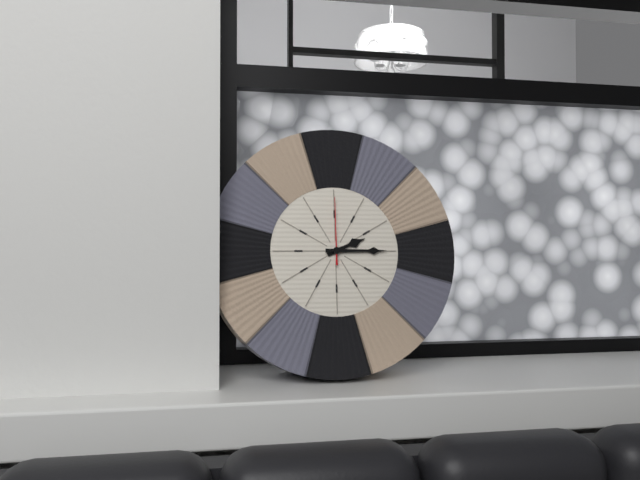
**2:15:00**
